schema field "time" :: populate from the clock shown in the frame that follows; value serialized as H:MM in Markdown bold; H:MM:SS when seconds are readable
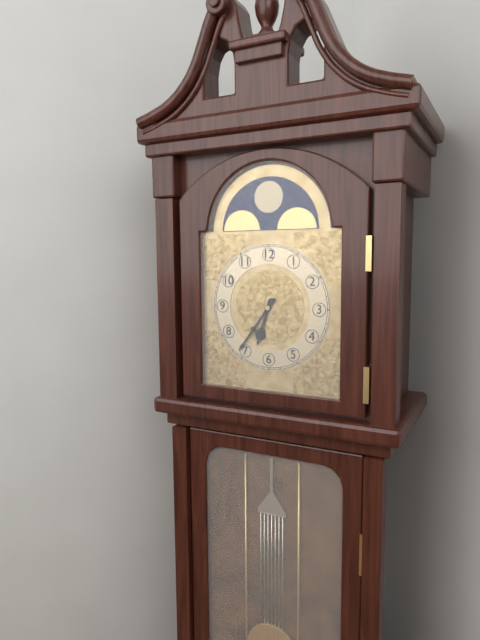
**6:36**
